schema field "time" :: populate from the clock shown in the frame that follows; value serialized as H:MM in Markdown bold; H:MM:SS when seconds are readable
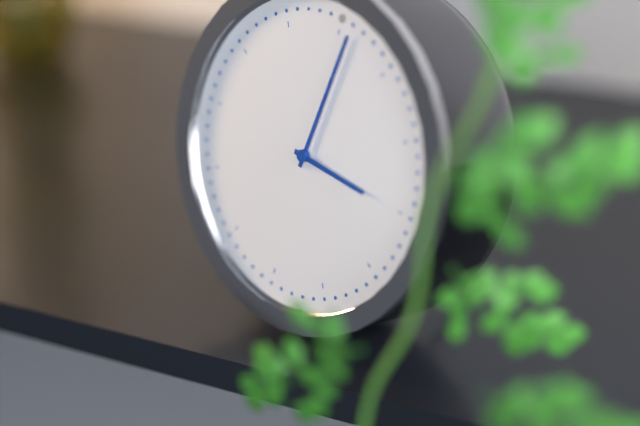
**3:01**
